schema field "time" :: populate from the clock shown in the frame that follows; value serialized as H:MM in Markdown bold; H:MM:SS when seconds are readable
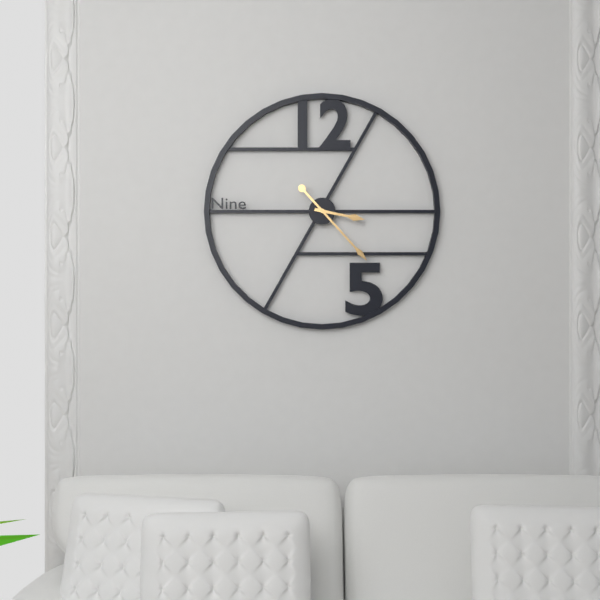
**3:23**
